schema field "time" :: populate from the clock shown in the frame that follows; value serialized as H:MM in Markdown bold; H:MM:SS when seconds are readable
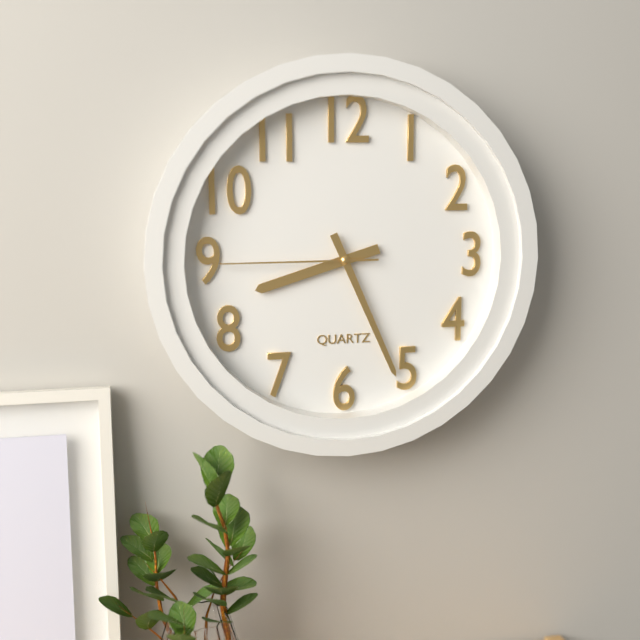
**8:26:45**
